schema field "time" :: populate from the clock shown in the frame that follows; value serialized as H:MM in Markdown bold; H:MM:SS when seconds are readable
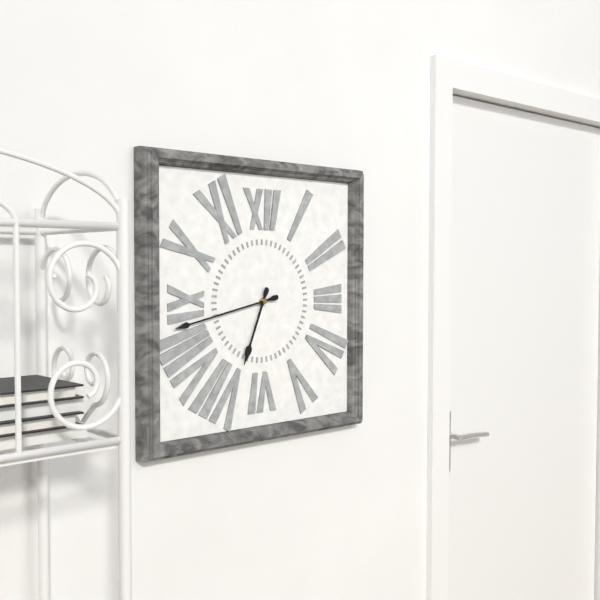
**6:43**
